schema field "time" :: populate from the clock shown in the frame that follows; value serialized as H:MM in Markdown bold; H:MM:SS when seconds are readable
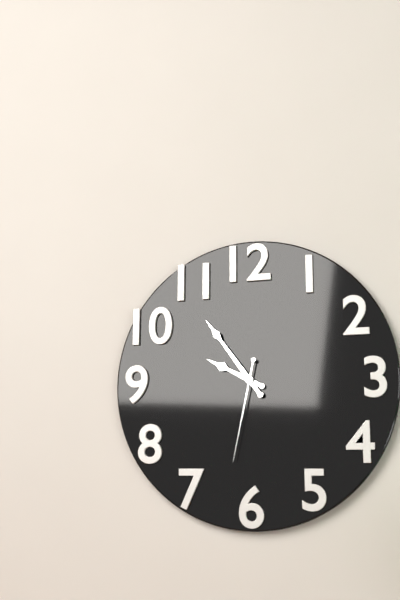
**9:54:32**
